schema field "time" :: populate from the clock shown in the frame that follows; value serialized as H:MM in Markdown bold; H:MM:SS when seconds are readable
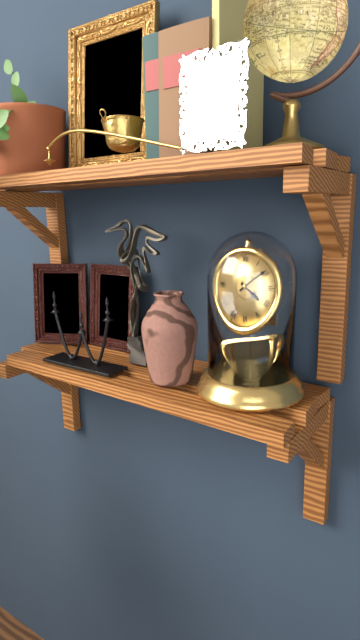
**4:09**
